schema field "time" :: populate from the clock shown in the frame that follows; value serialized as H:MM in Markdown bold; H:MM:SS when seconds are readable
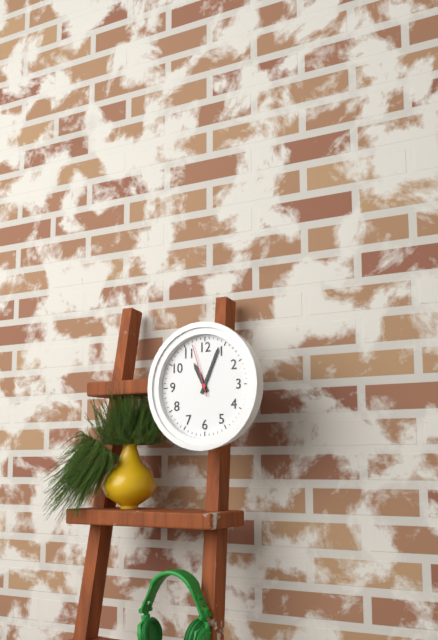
**11:04:57**
